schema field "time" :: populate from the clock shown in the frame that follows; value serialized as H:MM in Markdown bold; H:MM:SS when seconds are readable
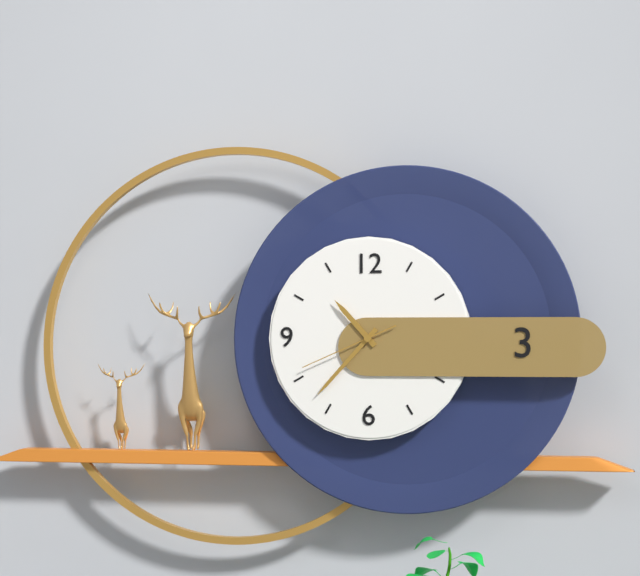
**10:37:41**
